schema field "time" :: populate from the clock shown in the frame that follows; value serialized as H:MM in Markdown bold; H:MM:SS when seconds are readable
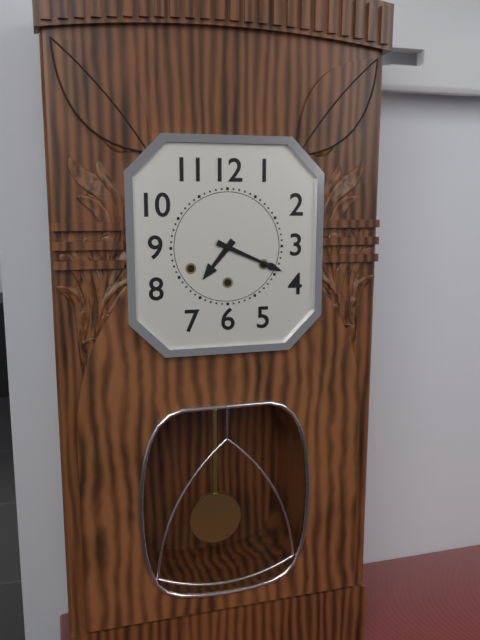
**7:19**
